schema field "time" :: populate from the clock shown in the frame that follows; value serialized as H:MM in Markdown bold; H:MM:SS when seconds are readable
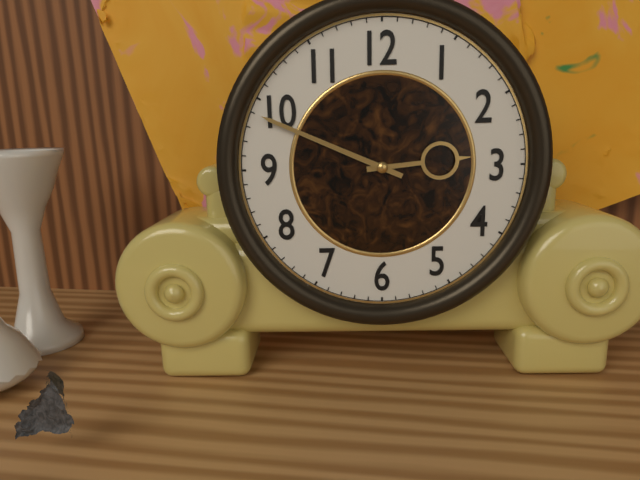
**2:49**
